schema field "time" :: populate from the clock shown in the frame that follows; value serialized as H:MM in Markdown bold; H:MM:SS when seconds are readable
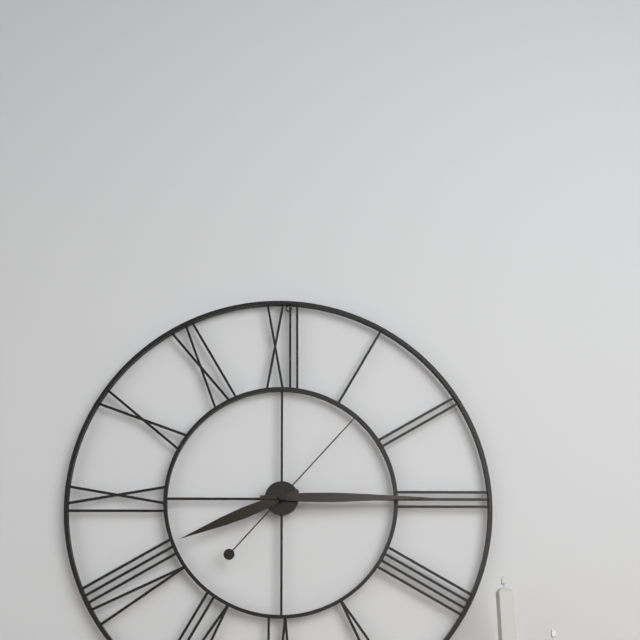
**8:15:07**
